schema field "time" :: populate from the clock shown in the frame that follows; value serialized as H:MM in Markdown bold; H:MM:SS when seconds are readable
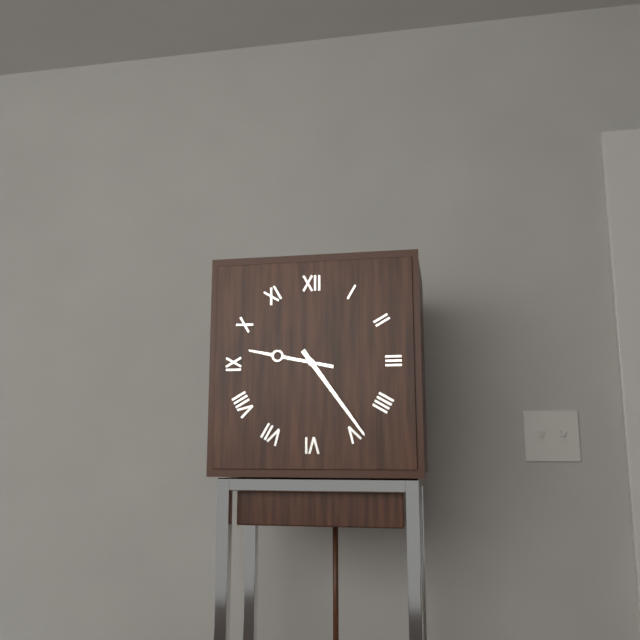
**9:24**
